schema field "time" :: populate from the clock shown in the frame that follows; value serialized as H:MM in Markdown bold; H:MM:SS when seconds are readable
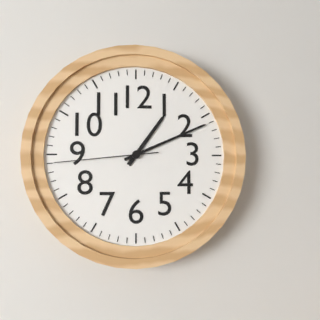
**1:11:44**
